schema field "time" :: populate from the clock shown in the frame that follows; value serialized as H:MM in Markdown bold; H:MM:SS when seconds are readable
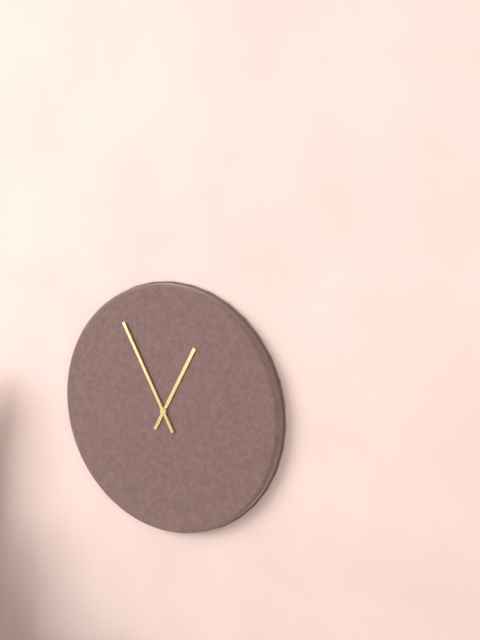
**12:55**
